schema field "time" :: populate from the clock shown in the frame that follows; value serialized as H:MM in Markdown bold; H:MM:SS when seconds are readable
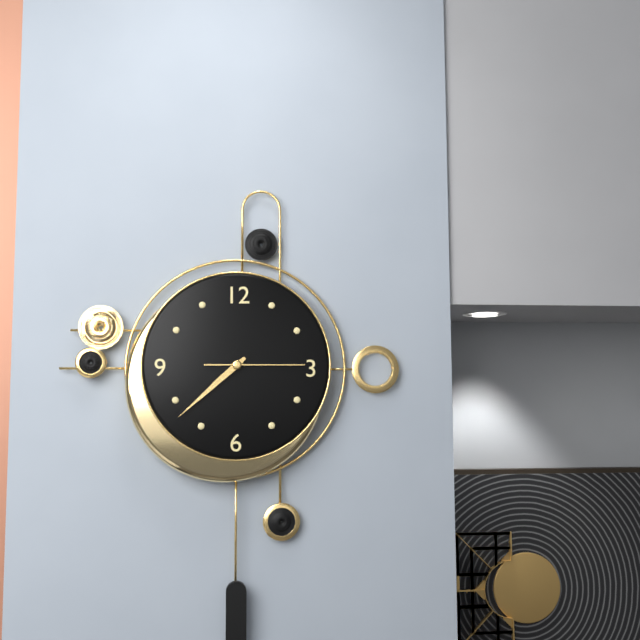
**7:38:15**
